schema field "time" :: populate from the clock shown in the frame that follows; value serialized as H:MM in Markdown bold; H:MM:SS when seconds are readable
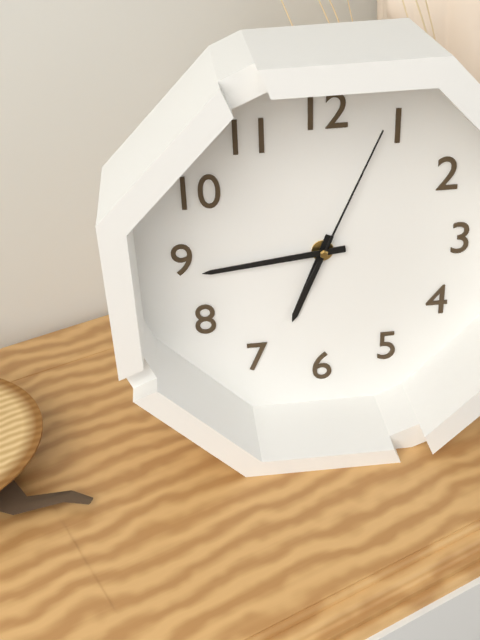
**6:44:04**
